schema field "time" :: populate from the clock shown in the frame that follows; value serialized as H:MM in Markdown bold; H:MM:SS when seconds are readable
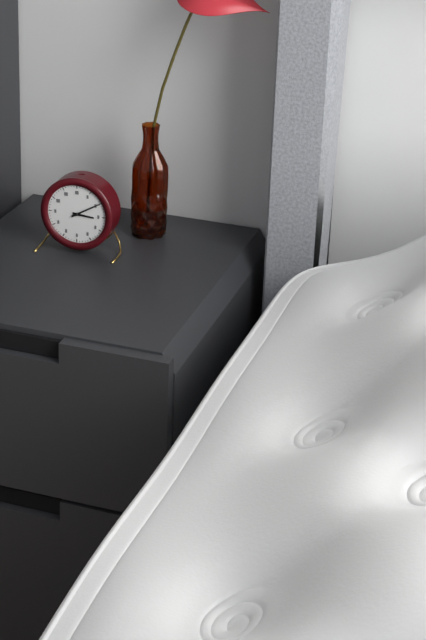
**3:10**
